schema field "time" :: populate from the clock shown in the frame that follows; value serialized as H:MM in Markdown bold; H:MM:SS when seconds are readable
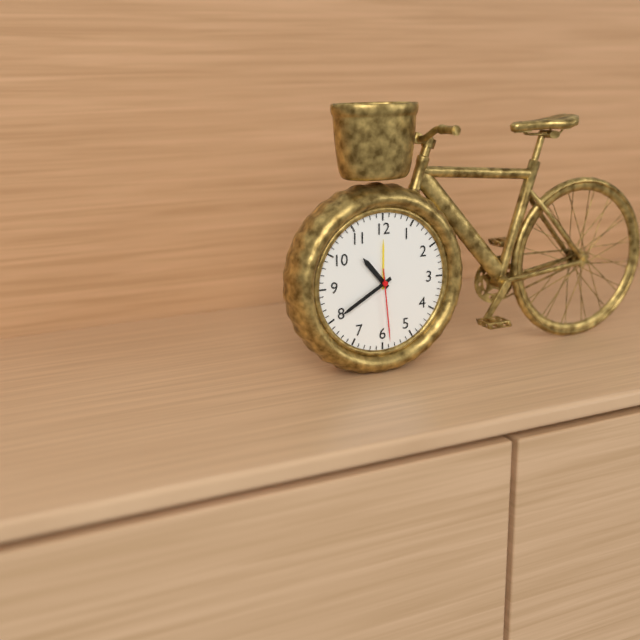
**10:40:29**
